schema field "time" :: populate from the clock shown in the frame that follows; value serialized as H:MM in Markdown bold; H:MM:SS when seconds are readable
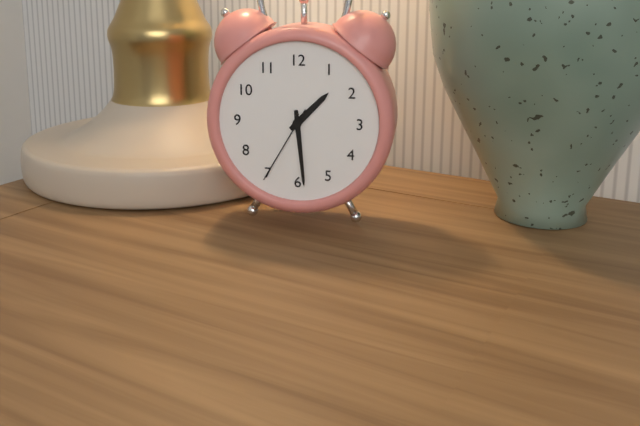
**1:29:35**
